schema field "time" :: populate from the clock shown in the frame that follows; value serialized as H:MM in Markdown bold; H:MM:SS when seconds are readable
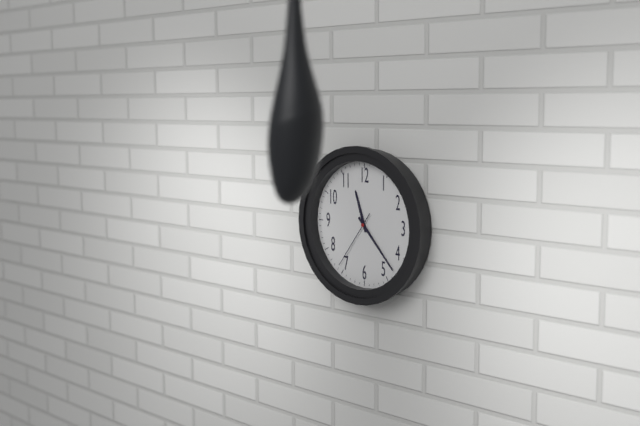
**11:23:36**
